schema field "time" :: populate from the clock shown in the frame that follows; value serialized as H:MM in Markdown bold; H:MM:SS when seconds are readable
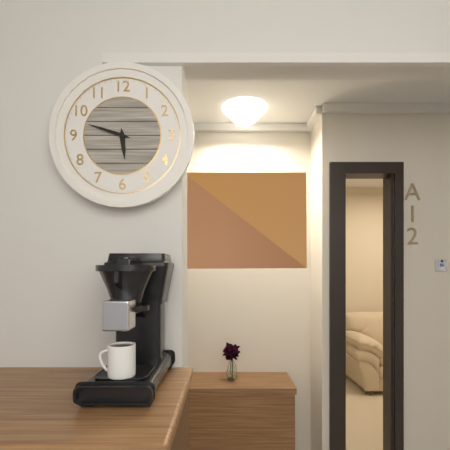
**5:48**
